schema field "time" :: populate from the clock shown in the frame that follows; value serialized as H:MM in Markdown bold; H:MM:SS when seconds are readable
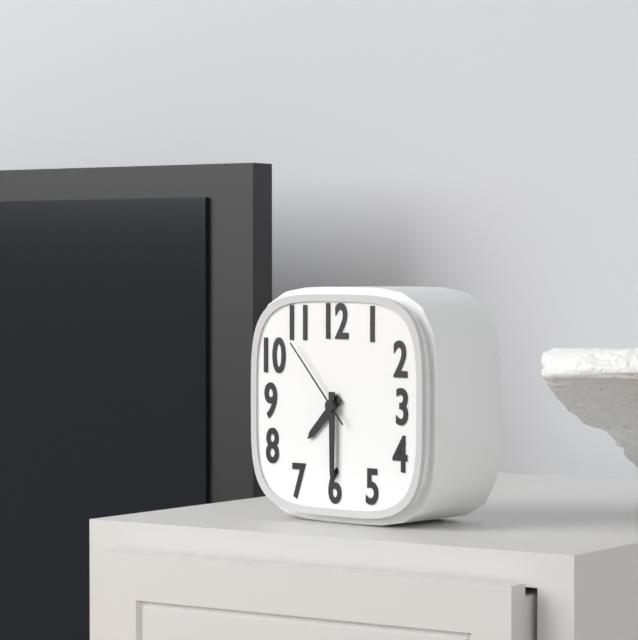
**7:30:53**
